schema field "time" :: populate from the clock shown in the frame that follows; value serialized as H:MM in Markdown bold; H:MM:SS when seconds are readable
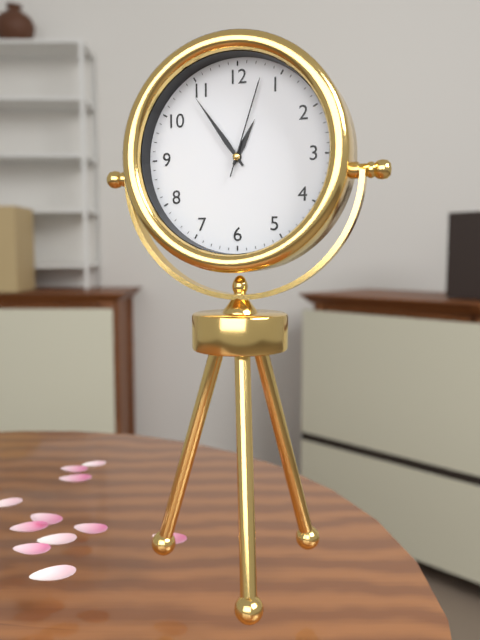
**12:54:03**
